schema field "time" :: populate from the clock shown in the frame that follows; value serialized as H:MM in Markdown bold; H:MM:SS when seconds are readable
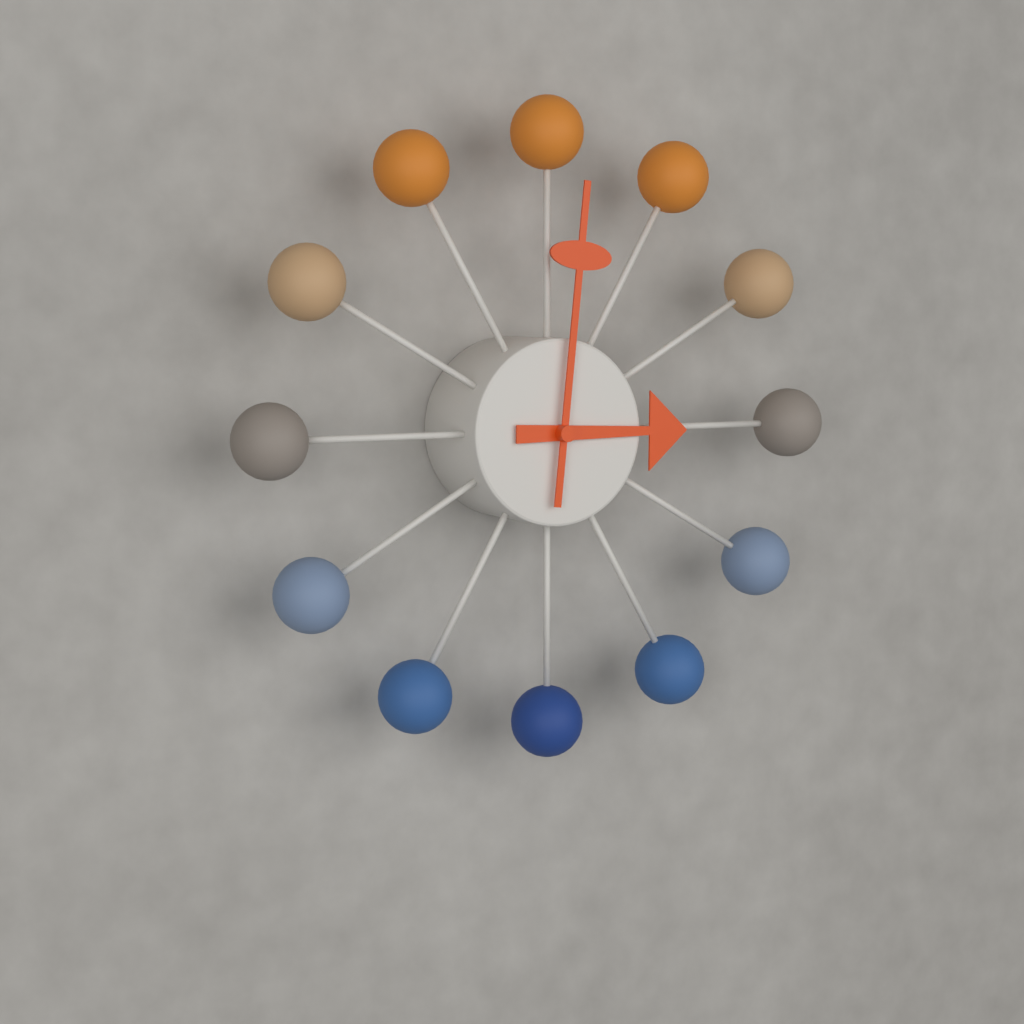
**3:01**
